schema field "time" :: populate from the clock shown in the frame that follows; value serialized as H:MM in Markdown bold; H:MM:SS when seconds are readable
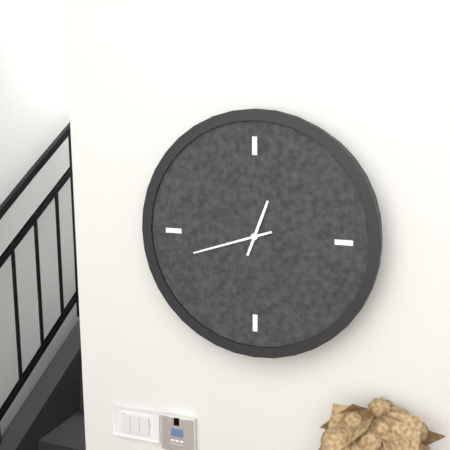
**12:42**
